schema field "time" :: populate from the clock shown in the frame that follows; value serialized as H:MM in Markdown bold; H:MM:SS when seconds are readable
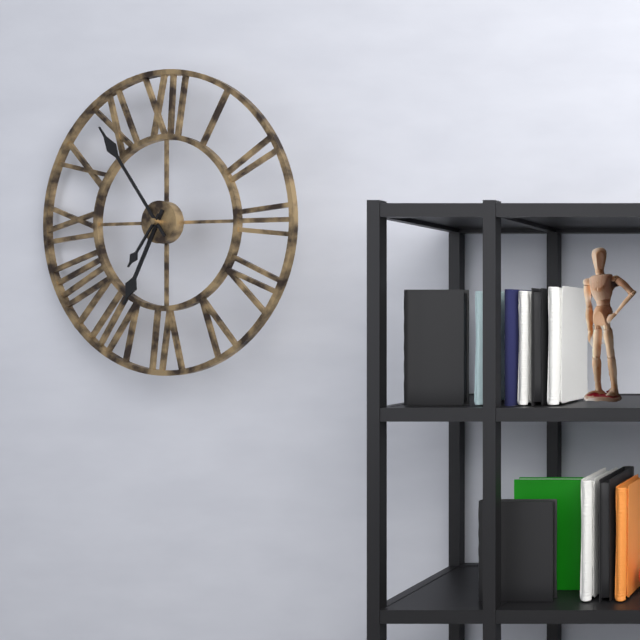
**6:54:36**
